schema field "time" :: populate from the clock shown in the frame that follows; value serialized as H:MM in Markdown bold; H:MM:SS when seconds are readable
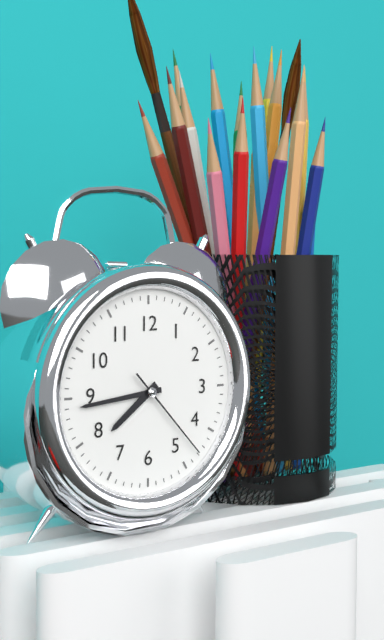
**7:44:23**
